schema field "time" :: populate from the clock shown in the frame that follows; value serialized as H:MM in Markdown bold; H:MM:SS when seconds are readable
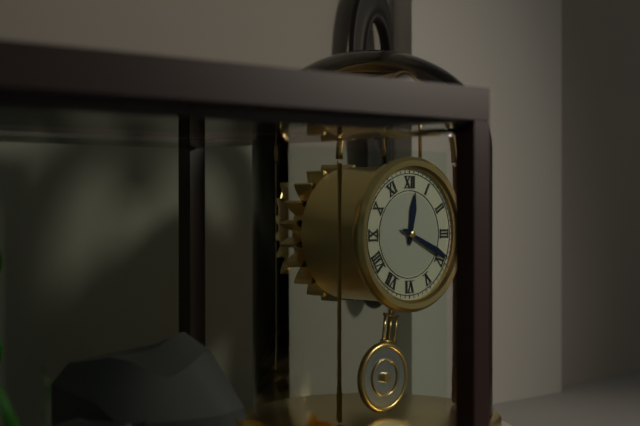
**12:19**
